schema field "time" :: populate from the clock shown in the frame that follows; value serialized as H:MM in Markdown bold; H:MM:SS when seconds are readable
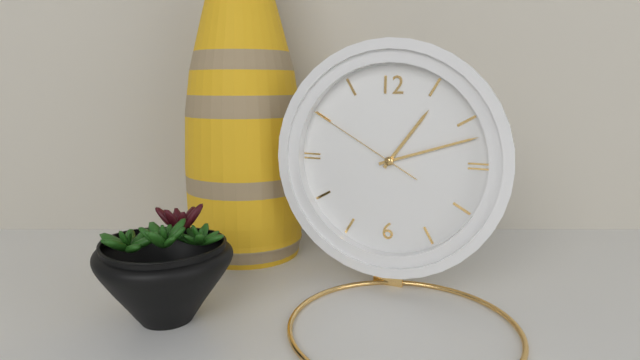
**1:12:50**
